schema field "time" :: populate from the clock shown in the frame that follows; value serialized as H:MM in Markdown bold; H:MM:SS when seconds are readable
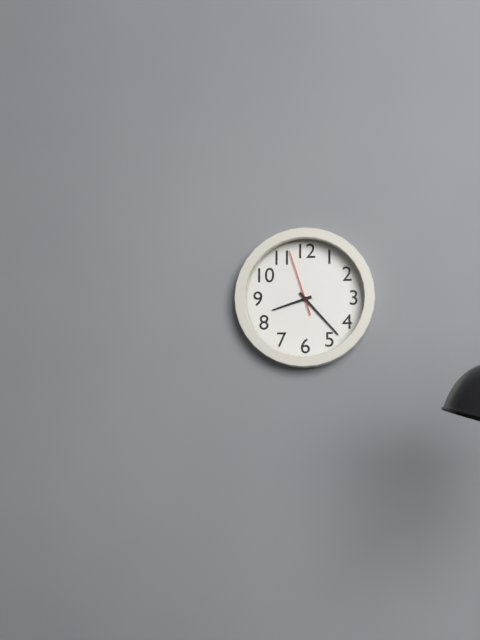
**8:23:57**
